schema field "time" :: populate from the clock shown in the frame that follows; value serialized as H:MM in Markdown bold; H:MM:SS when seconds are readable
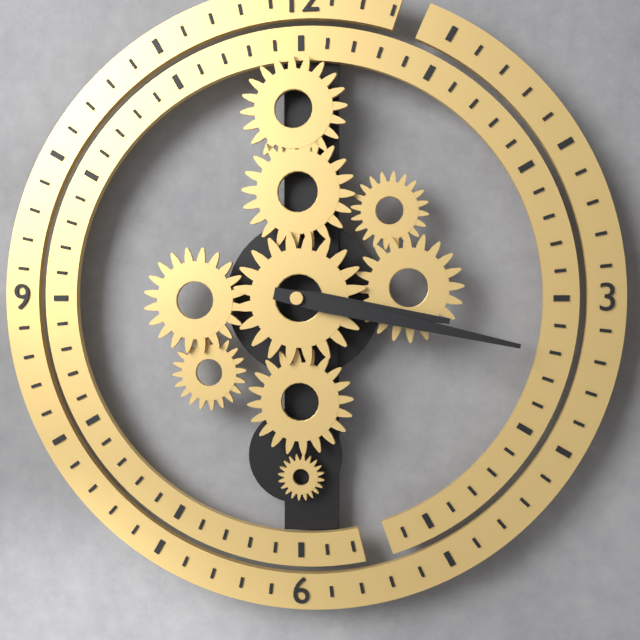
**3:17**
